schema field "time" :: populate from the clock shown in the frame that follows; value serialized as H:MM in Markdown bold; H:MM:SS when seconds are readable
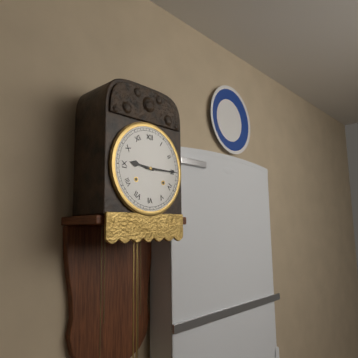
**9:15**
